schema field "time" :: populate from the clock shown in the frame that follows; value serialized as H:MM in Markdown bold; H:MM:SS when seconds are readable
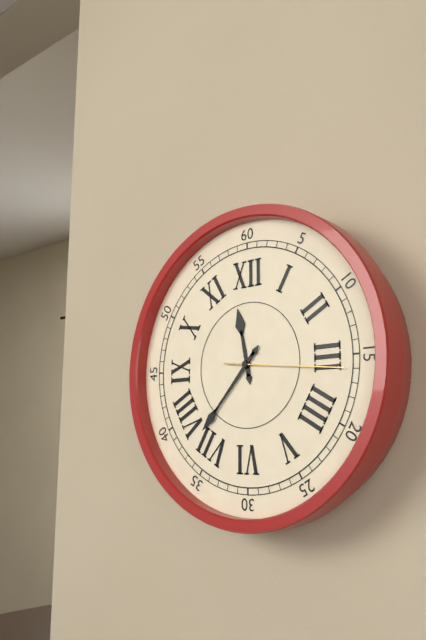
**11:37:16**
